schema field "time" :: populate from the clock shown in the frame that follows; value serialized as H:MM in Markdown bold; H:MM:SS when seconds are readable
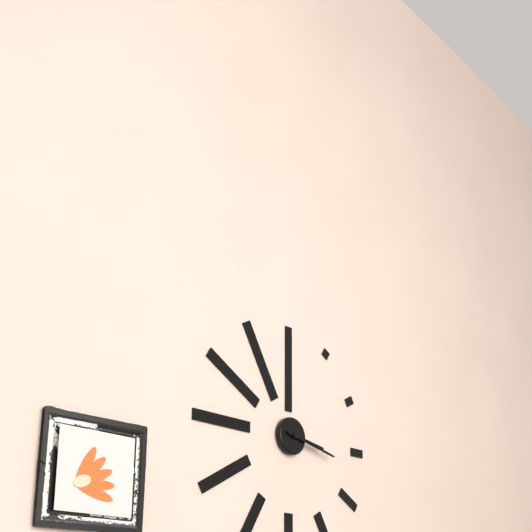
**3:17**
